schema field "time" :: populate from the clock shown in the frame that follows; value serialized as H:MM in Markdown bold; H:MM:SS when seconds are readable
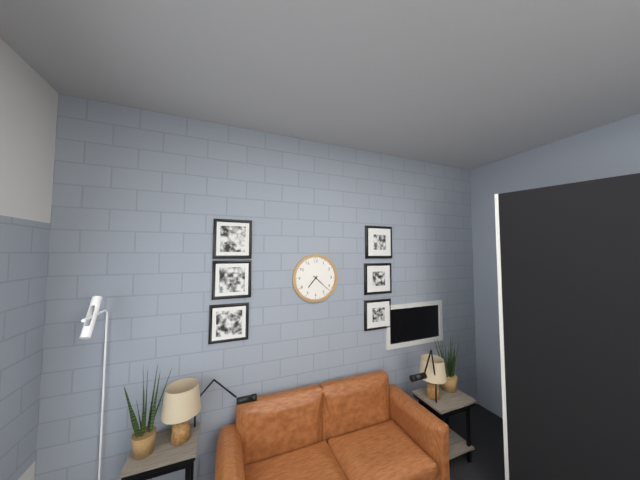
**7:22**
